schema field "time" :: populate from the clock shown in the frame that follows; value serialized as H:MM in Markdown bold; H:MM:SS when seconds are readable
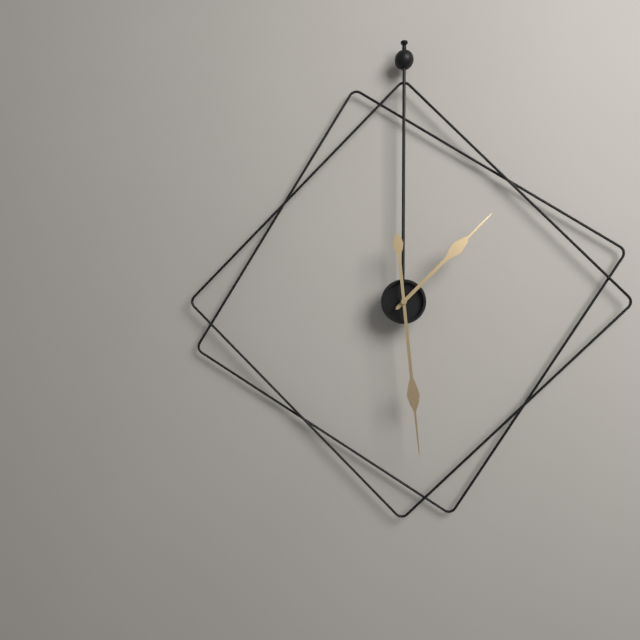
**1:29**
